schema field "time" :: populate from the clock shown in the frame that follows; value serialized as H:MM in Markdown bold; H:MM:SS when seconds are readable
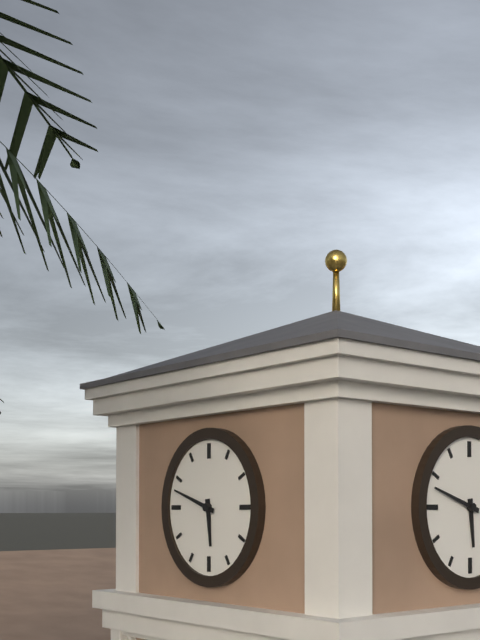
**5:48**
